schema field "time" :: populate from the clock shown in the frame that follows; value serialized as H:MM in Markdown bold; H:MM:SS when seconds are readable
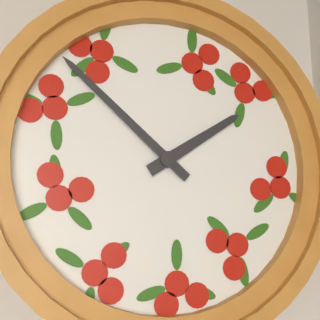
**1:52**
